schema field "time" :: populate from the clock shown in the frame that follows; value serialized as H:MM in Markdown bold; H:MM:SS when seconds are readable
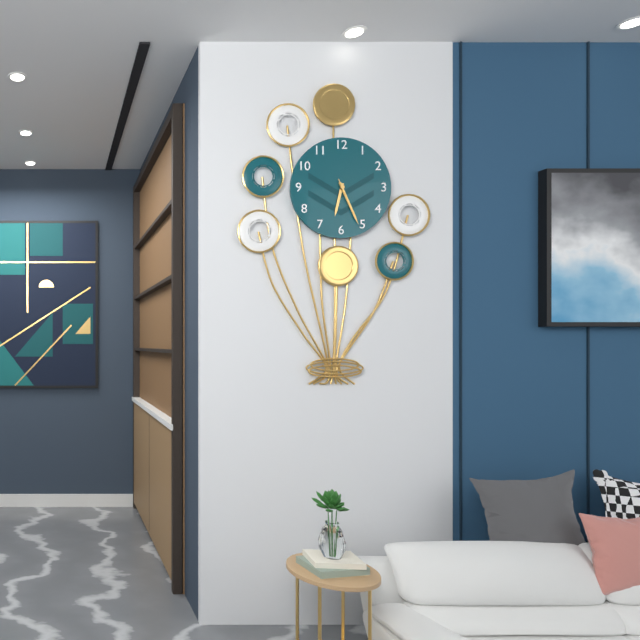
**6:26**
